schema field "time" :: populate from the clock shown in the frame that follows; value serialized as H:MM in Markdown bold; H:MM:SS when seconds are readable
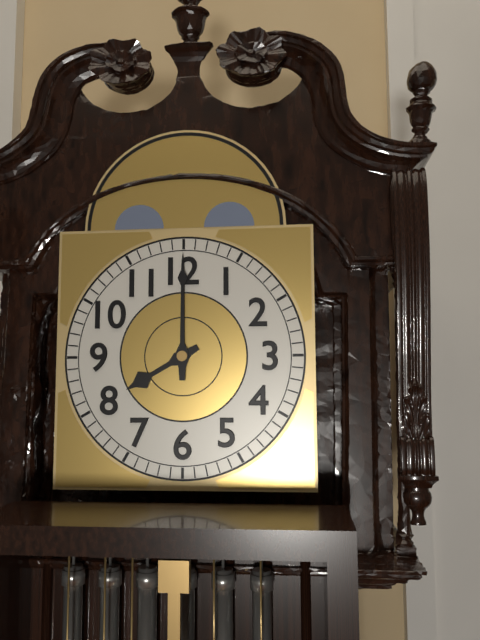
**8:00**
